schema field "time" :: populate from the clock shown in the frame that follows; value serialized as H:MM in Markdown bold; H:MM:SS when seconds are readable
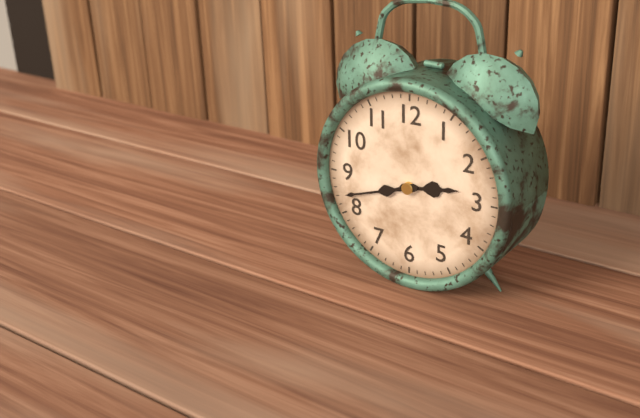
**2:42**
